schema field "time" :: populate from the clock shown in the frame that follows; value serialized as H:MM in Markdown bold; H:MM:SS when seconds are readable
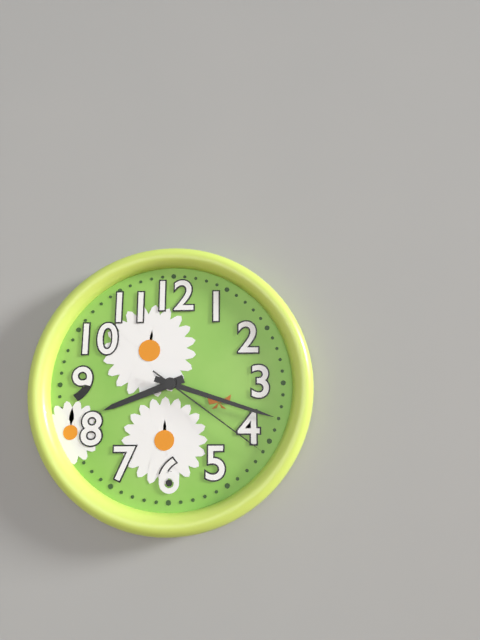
**8:18:21**
